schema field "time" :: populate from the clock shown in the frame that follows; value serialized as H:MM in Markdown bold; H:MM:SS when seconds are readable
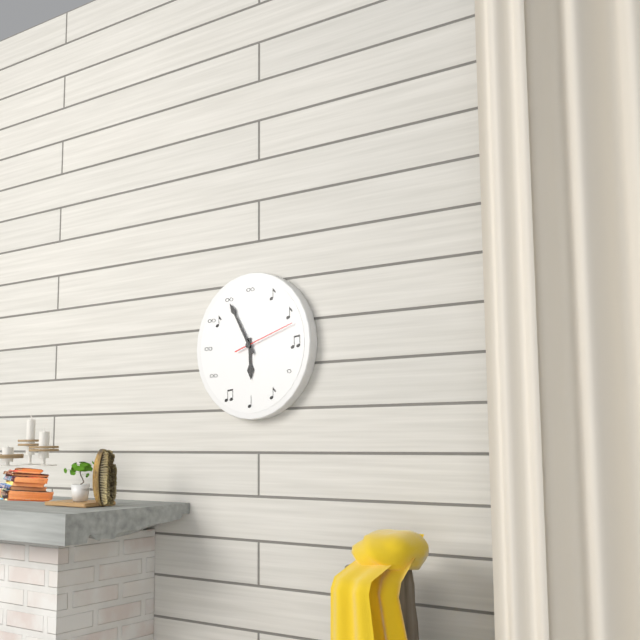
**5:55:12**
